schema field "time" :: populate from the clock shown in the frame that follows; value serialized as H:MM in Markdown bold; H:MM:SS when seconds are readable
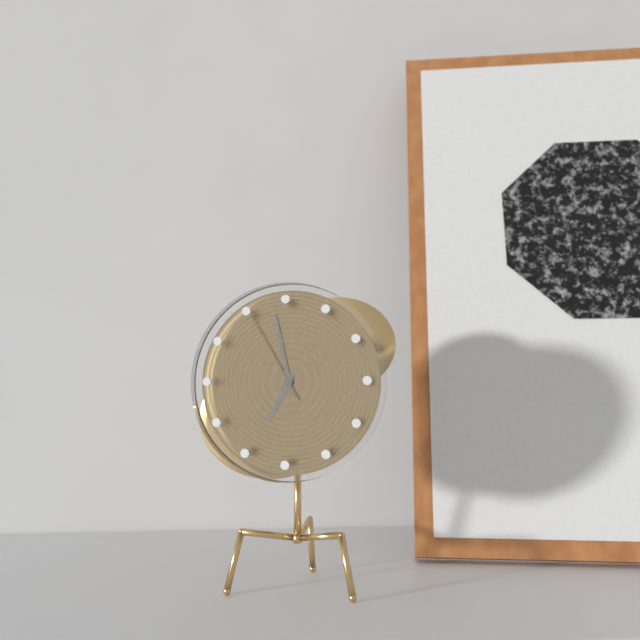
**6:58:55**
